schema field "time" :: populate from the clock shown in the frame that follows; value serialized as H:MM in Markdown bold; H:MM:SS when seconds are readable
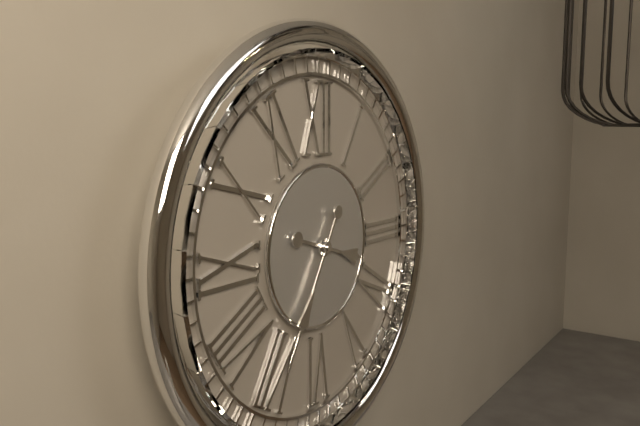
**3:35**
